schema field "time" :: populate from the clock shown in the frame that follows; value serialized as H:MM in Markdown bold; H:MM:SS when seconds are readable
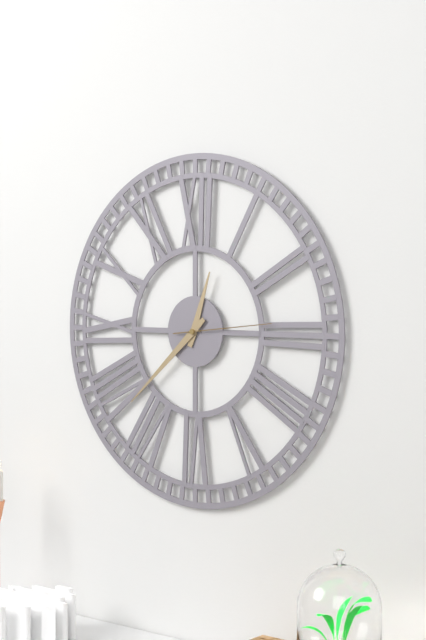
**12:38:14**
